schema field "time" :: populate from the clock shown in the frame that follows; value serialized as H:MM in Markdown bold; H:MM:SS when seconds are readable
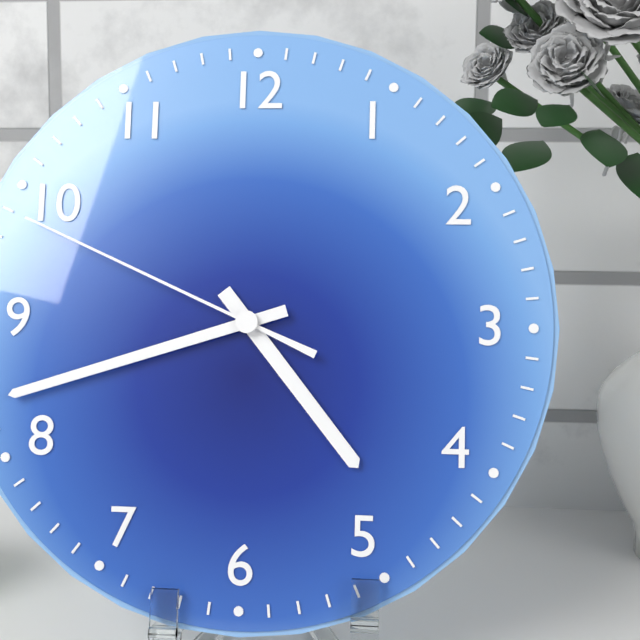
**4:42:49**
